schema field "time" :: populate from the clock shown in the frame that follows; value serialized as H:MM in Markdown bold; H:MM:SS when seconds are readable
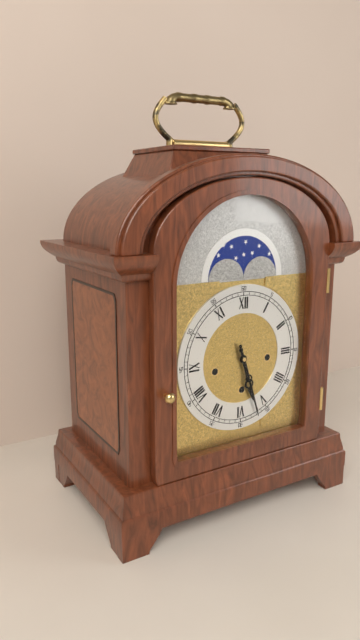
**5:27**
